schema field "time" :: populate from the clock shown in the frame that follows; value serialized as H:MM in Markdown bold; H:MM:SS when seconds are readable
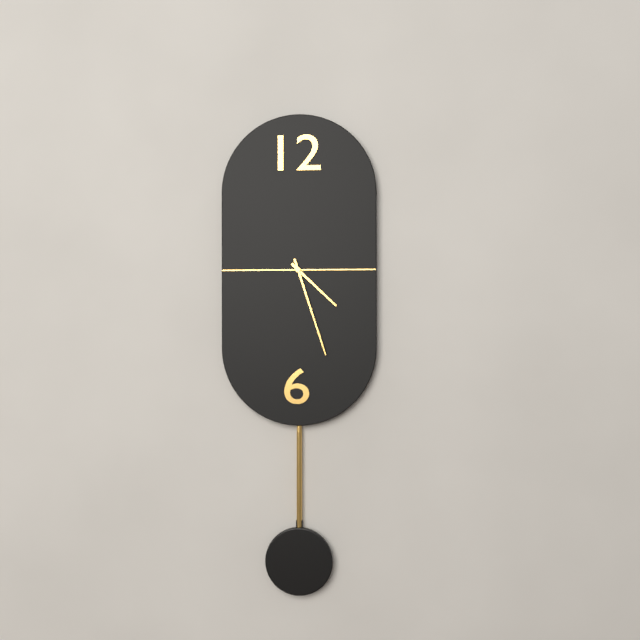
**4:27**
